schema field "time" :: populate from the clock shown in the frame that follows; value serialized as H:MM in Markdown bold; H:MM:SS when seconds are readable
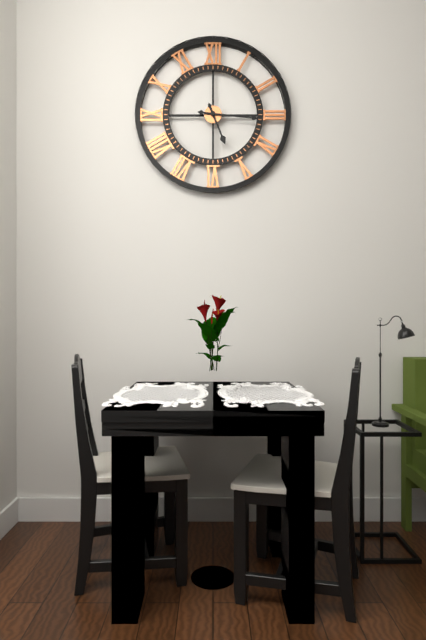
**5:16**
